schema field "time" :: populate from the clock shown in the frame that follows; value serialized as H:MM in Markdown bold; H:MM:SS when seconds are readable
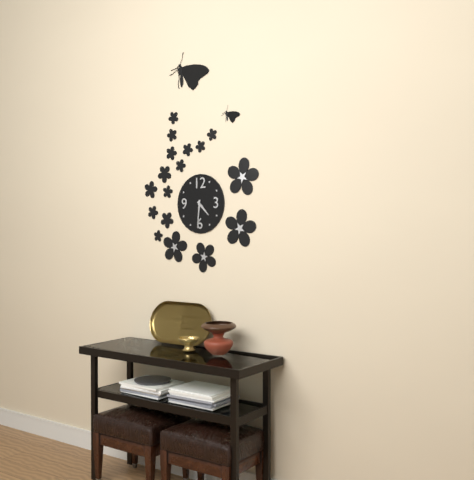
**4:31**
